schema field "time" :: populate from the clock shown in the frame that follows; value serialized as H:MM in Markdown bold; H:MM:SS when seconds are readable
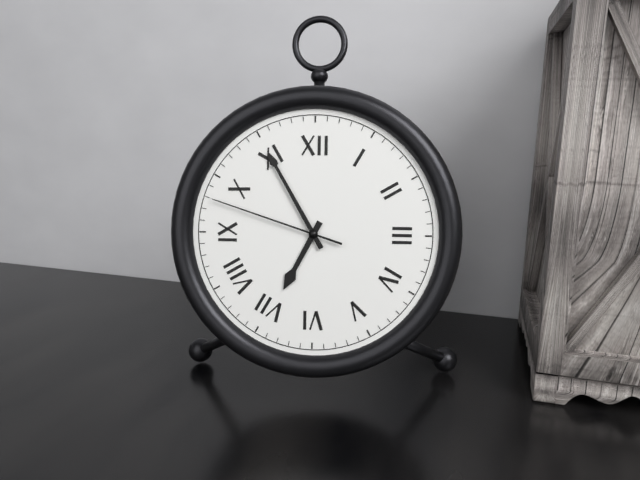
**6:55:48**
